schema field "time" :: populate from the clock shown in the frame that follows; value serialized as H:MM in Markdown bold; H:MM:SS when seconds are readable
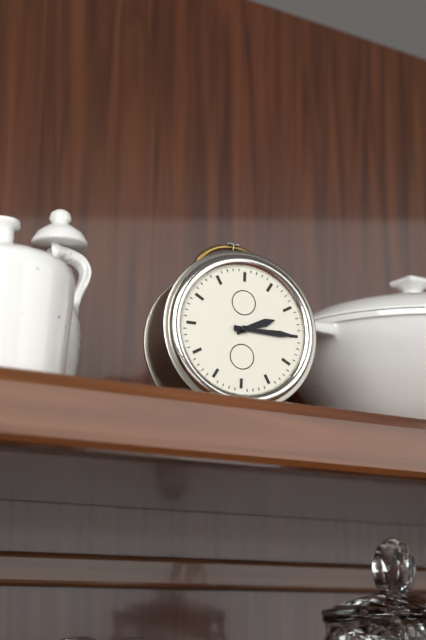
**2:15**
